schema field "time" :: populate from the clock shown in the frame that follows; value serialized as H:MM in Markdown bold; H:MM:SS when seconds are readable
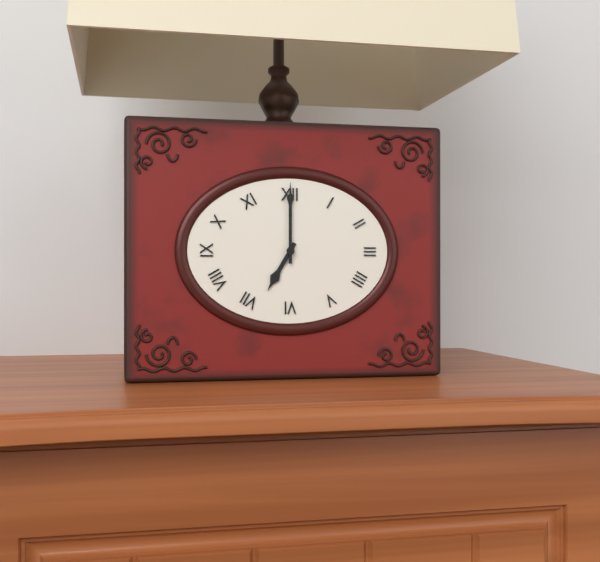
**7:00**
